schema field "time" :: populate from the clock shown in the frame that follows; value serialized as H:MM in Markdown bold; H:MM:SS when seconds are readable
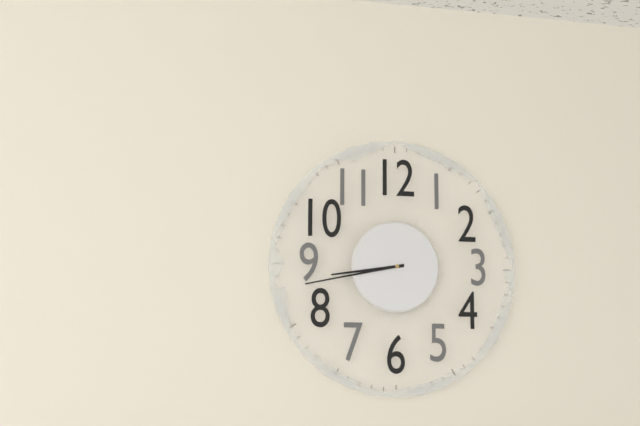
**8:43**
